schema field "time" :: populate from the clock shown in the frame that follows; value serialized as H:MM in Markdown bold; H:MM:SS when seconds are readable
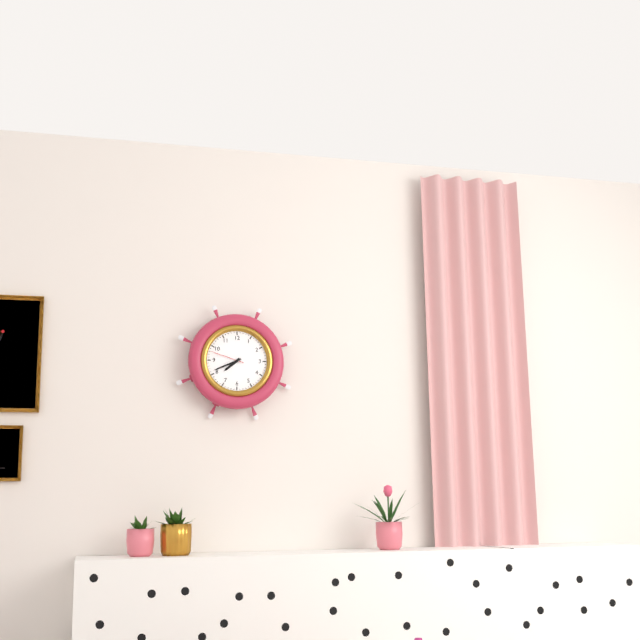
**7:41**
